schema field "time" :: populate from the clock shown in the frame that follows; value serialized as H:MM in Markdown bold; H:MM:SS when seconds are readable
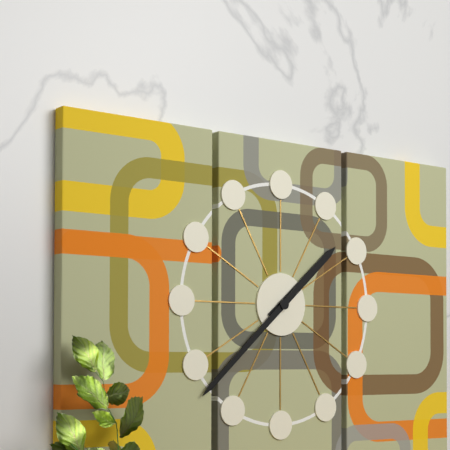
**1:38**
